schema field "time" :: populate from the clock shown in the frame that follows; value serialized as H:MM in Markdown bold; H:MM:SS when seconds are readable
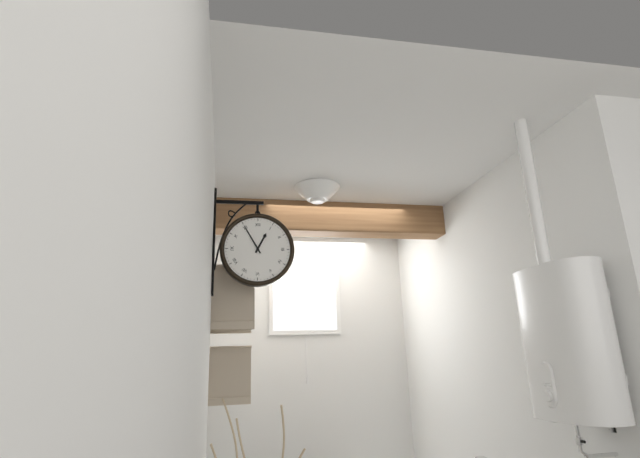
**12:55**
